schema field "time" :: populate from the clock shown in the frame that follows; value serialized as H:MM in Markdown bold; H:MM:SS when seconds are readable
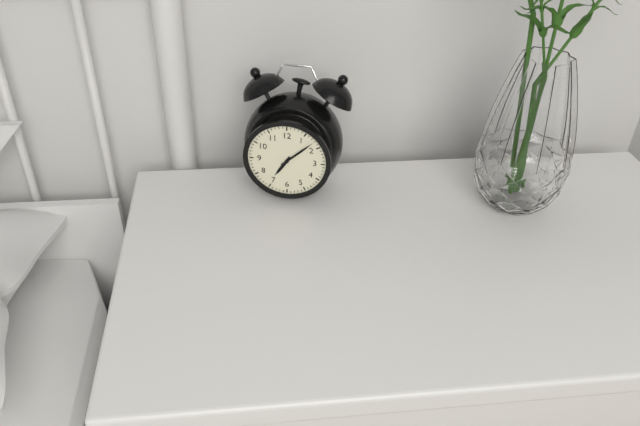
**7:08**
